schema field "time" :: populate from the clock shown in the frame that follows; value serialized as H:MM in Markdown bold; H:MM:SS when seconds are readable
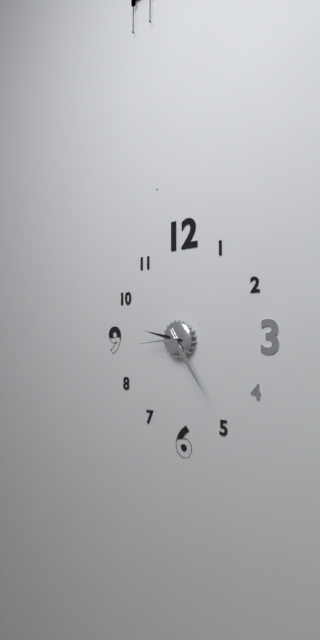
**9:24:44**
